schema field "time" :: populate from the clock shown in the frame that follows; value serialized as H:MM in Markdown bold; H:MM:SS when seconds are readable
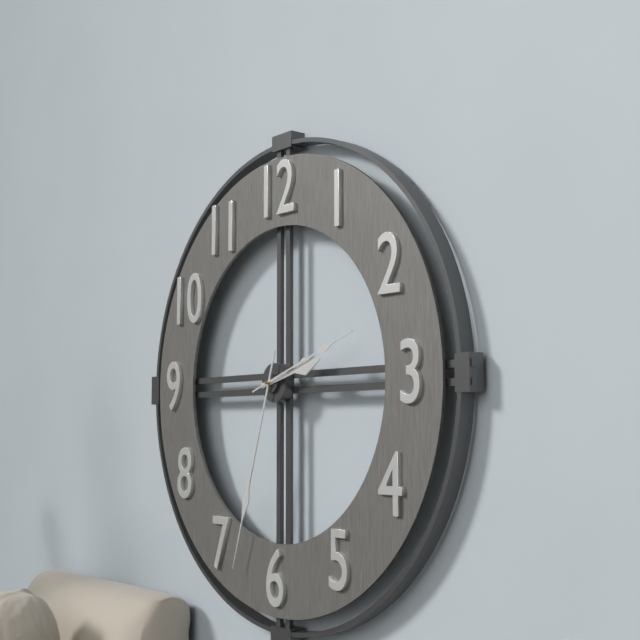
**2:33:12**
